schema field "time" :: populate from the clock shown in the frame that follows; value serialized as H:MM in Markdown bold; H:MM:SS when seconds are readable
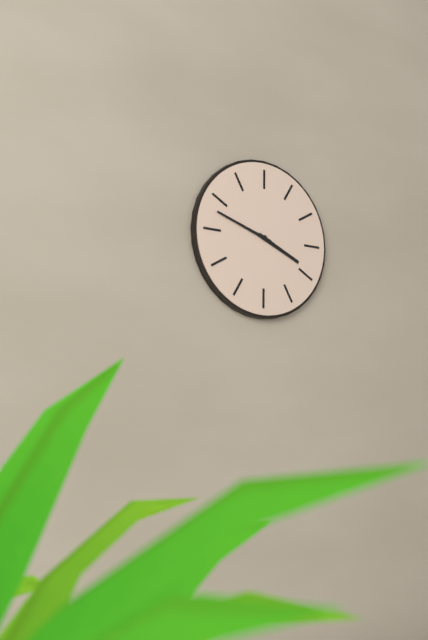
**3:48**
